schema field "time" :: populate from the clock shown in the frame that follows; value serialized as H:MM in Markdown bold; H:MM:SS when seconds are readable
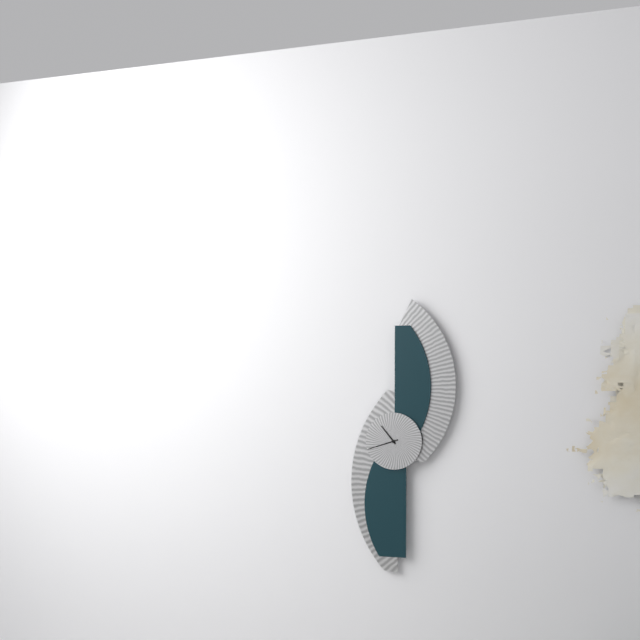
**10:42**
